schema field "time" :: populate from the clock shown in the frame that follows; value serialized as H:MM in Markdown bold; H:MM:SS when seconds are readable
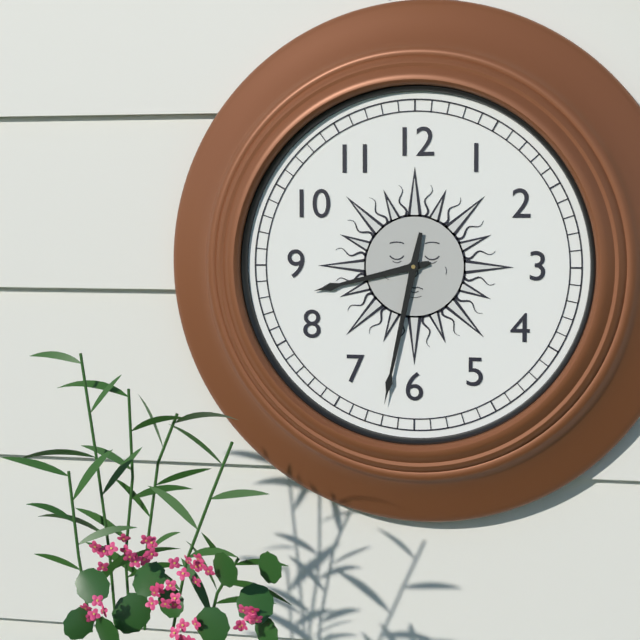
**8:32**
